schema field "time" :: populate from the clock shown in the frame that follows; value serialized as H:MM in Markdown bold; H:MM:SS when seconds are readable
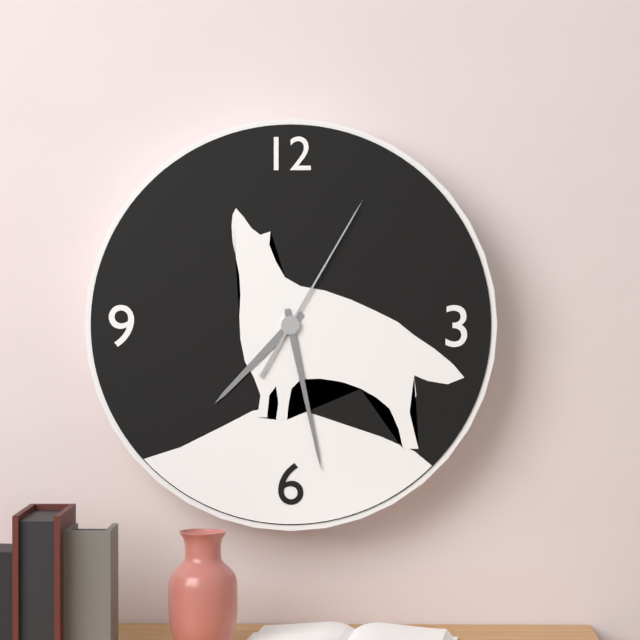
**7:28:05**
